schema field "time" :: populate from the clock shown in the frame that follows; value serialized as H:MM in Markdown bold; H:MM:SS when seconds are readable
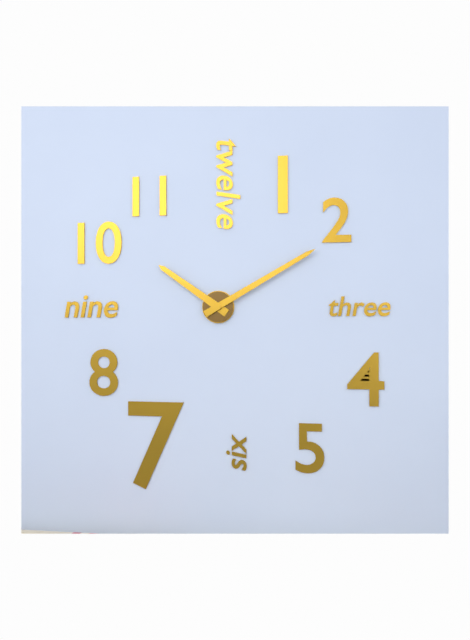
**10:10**
